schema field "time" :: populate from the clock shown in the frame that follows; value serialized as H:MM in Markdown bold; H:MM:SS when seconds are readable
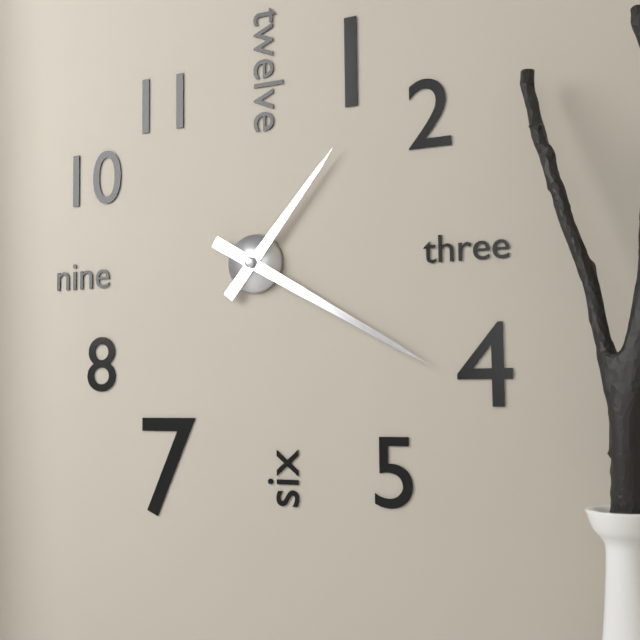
**1:20**
